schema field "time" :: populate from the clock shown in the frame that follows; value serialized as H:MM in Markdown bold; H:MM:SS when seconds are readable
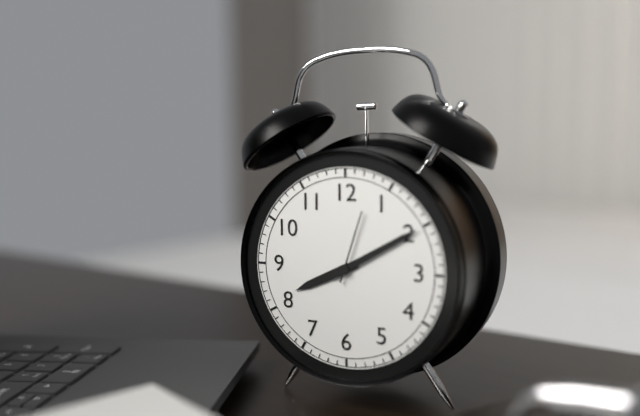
**8:10:03**
